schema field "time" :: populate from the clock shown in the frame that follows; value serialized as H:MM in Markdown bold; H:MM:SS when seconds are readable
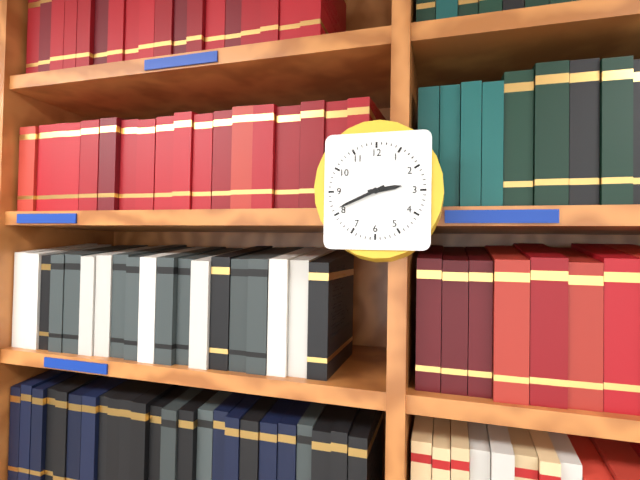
**2:41**
